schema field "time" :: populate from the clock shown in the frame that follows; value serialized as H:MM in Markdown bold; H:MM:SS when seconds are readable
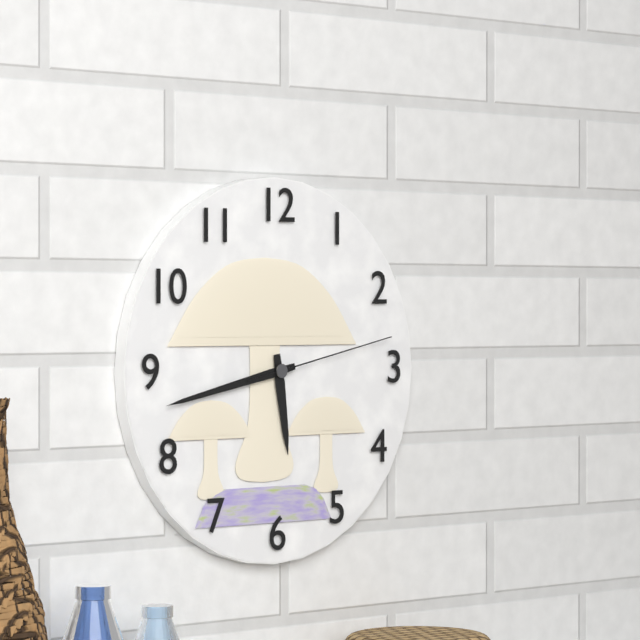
**5:43:13**
